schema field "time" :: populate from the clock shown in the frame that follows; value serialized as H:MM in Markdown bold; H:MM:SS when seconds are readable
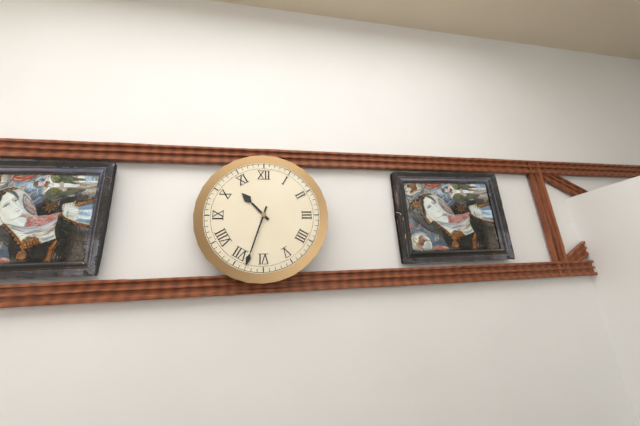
**10:33**
